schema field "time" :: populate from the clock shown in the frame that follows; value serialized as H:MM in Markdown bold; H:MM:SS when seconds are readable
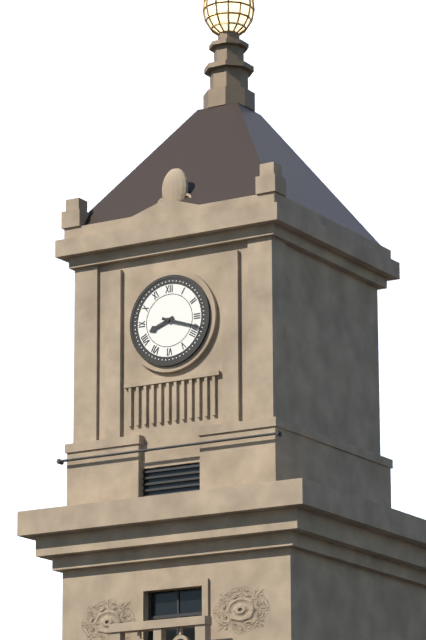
**8:18**
